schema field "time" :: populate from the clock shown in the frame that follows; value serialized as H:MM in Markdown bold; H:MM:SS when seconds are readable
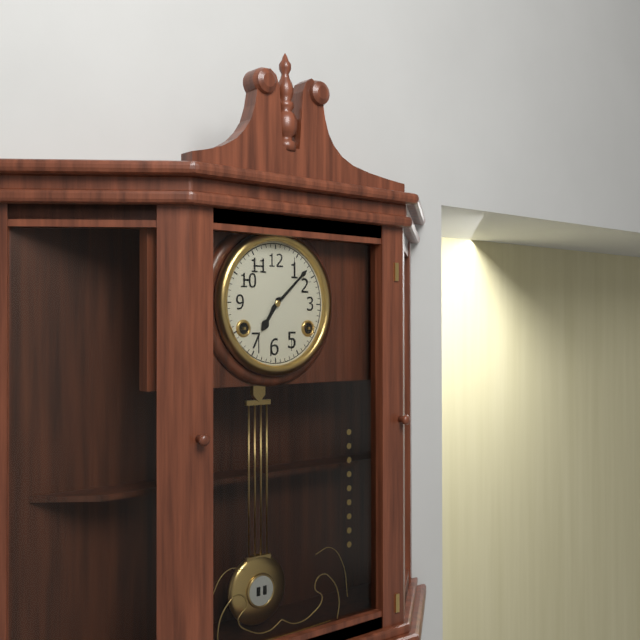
**7:08**
